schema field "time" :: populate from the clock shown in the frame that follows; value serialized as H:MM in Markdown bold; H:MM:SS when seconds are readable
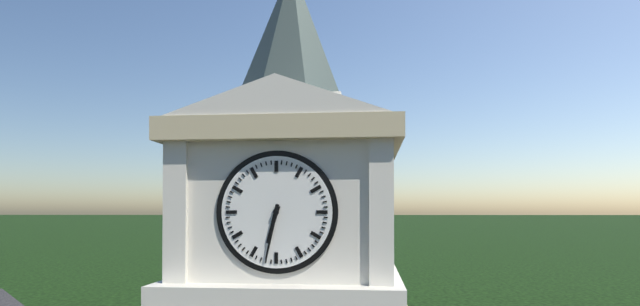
**6:32**
